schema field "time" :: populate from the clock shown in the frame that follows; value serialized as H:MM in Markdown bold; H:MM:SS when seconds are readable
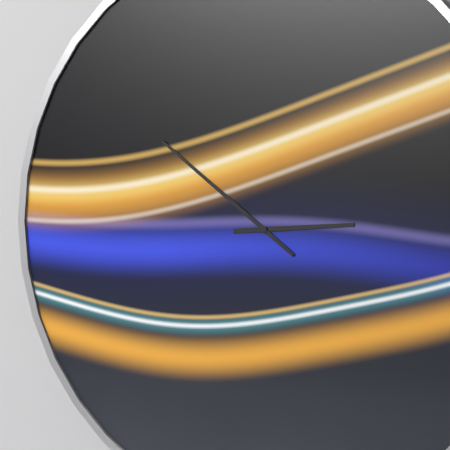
**2:51**
